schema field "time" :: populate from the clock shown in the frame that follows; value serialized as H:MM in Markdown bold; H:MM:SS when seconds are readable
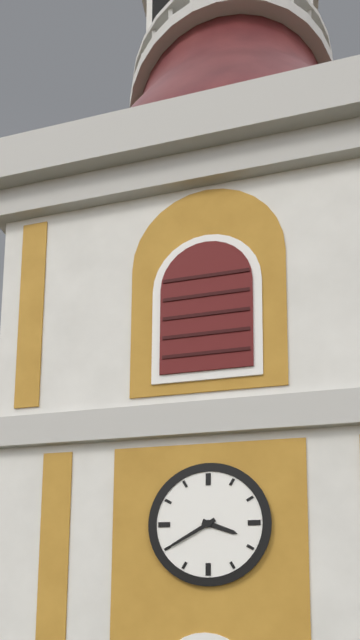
**3:40**
